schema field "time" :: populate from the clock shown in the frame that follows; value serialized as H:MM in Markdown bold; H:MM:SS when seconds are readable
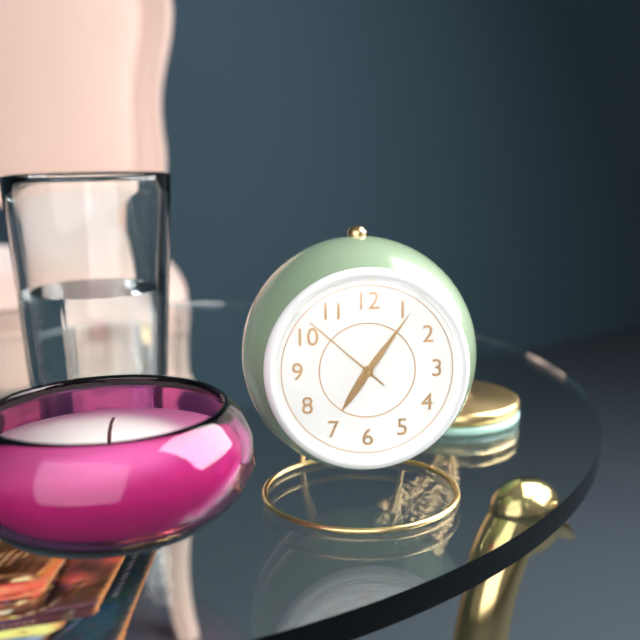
**7:06:52**
